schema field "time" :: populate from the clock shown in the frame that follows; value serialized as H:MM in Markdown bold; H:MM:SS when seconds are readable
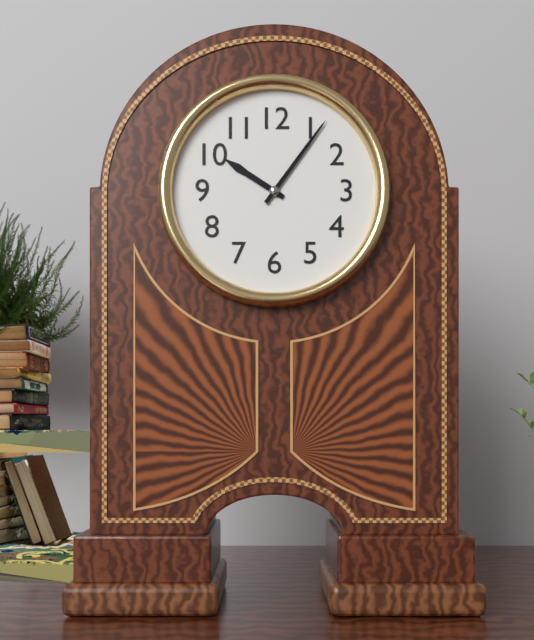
**10:06**
